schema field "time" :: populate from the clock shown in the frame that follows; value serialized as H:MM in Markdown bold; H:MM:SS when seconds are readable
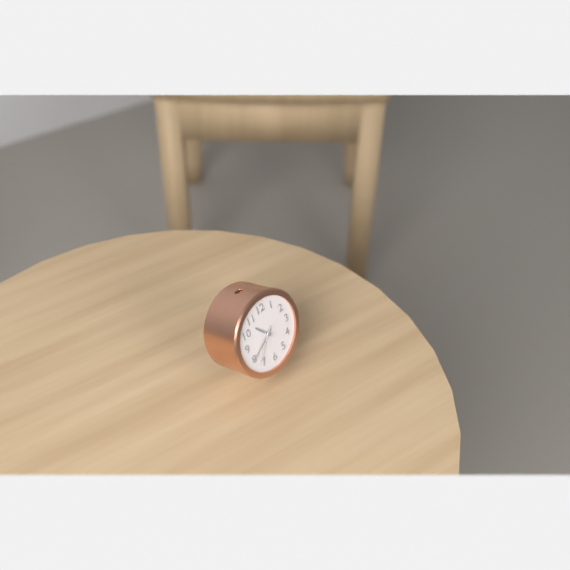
**10:40**
